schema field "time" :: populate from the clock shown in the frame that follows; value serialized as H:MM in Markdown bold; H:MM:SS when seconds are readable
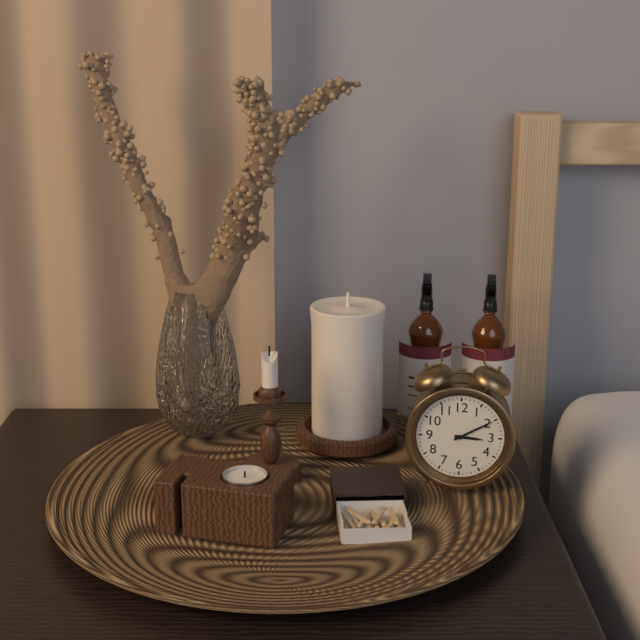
**3:10**
